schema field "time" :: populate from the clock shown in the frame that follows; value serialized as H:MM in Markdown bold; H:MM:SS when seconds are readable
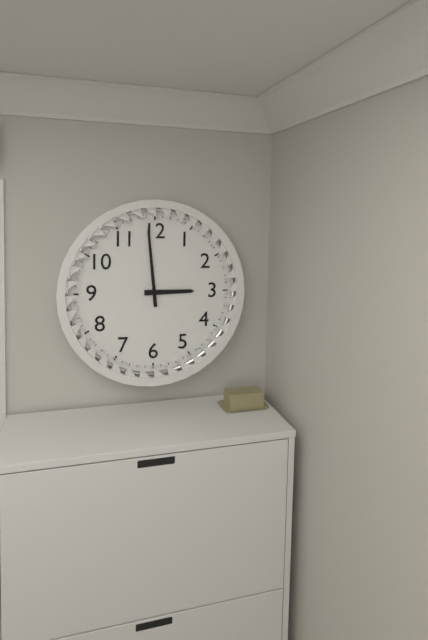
**2:59**
